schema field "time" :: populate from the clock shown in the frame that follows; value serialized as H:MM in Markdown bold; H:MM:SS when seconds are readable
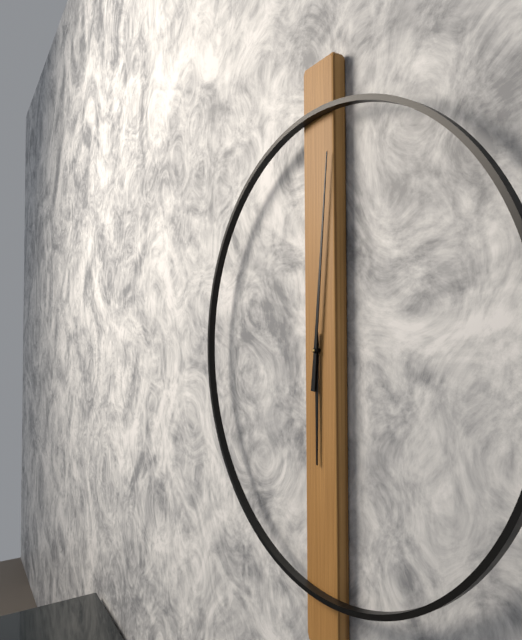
**6:01**
